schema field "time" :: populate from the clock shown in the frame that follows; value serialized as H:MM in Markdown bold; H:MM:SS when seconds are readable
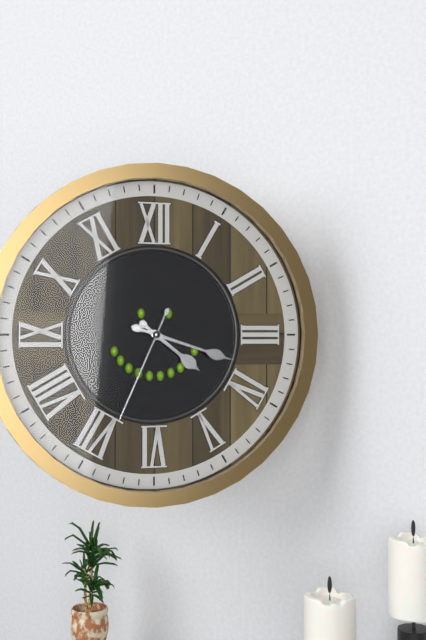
**4:18:34**
